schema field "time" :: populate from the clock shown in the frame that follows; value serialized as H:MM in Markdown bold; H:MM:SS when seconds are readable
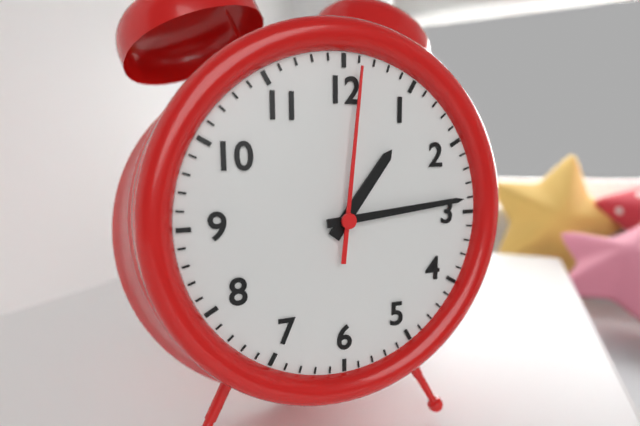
**1:14:01**
